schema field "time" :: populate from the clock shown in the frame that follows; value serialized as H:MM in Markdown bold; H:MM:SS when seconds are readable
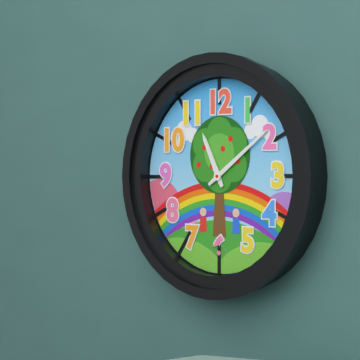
**11:09**
